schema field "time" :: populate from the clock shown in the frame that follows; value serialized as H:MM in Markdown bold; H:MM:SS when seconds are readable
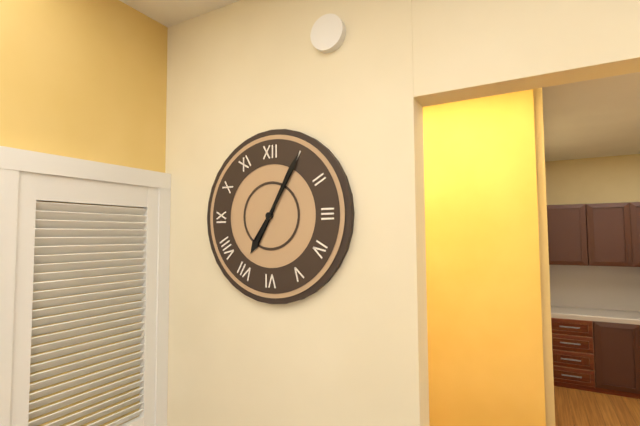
**7:05**
